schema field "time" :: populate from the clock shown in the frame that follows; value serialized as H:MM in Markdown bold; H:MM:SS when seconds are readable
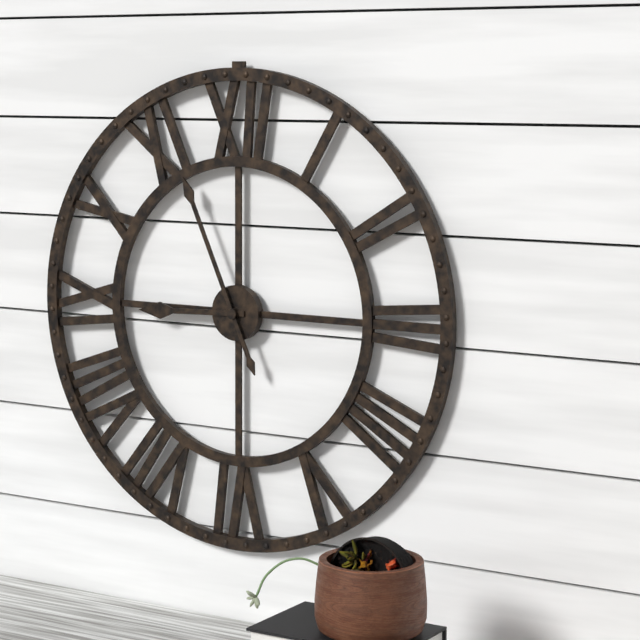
**8:56**
